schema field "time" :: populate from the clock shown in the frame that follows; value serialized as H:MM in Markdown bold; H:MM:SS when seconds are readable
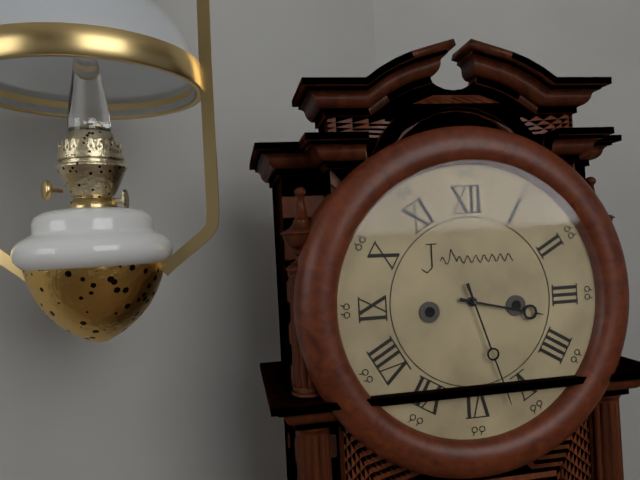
**3:27**
